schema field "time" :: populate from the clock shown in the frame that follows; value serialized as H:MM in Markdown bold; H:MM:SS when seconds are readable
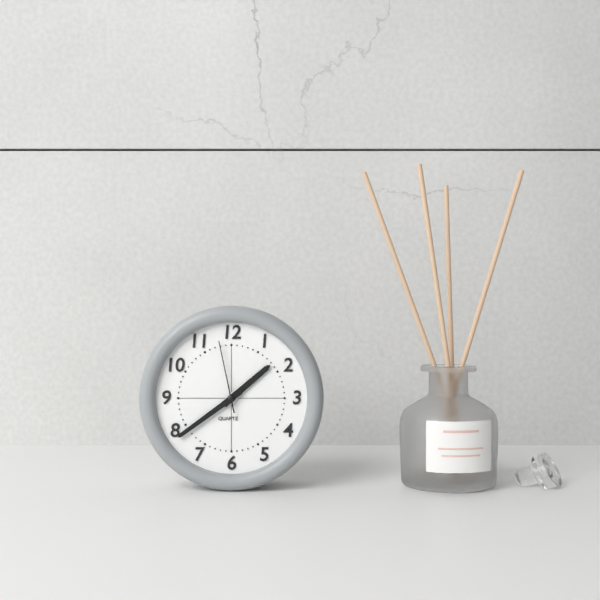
**1:39:58**
